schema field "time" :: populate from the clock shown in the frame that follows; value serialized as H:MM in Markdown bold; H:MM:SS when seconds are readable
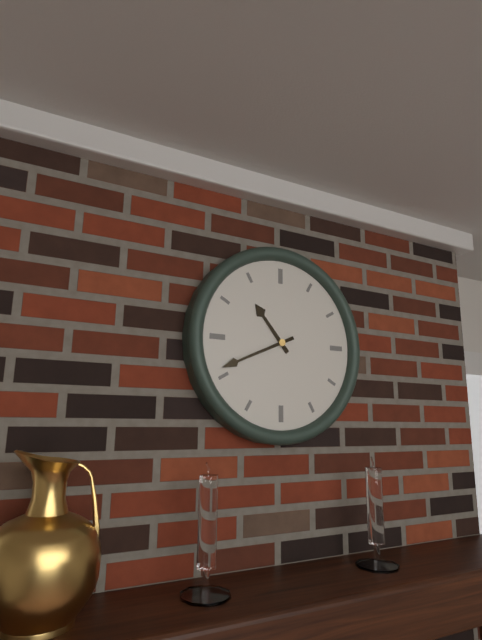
**10:41**
